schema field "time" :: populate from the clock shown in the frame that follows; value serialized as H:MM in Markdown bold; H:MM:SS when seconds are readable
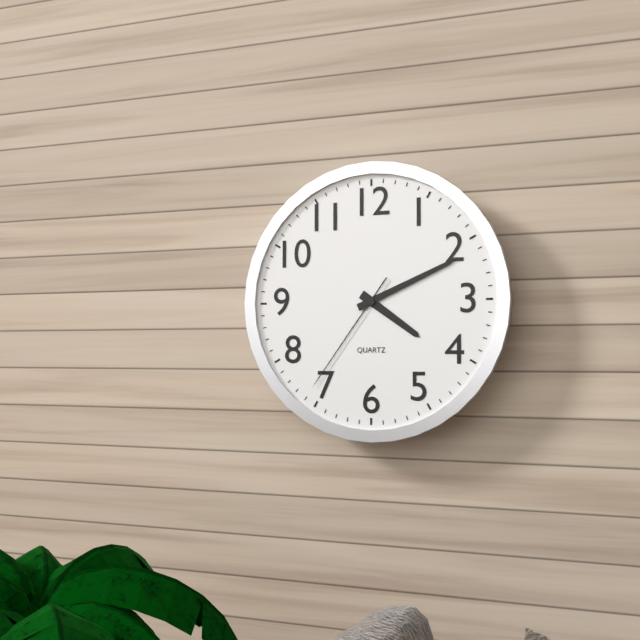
**4:11:36**
